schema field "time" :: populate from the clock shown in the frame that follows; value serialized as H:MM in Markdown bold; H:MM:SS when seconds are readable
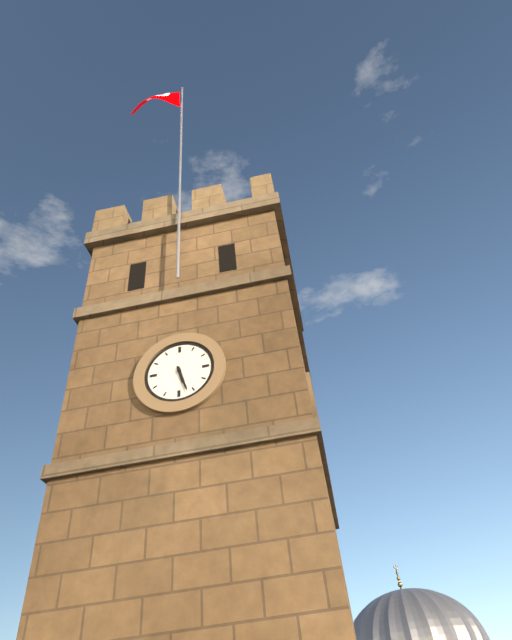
**5:27**
